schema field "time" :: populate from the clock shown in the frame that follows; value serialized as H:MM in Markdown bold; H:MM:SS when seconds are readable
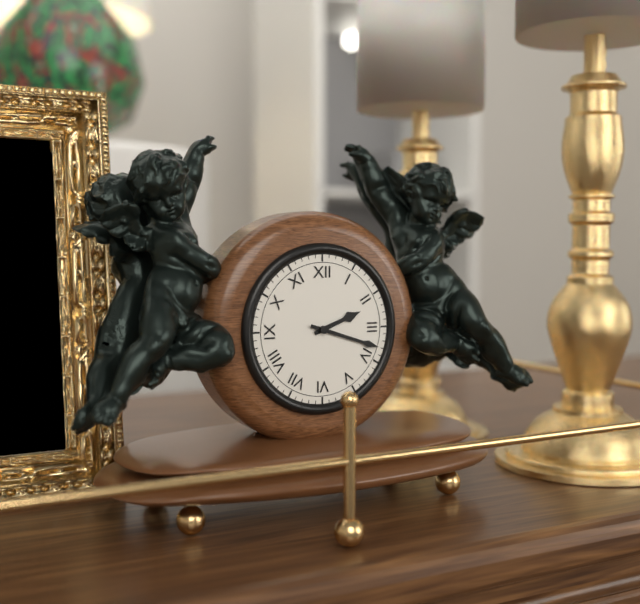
**2:18**
